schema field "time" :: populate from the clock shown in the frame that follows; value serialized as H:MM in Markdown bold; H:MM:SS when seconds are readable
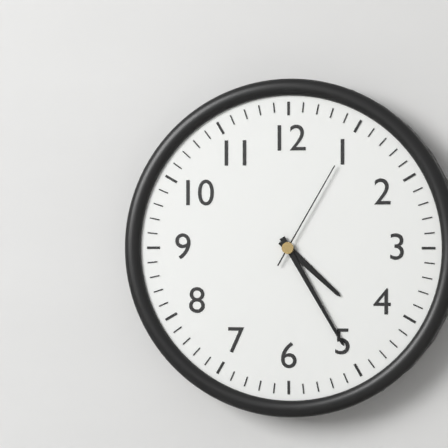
**4:25:05**
